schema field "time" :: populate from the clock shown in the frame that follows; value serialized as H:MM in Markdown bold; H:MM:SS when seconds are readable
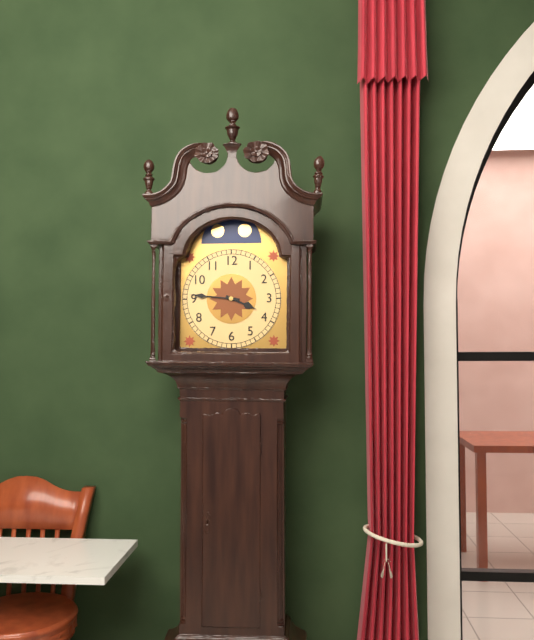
**3:46**
